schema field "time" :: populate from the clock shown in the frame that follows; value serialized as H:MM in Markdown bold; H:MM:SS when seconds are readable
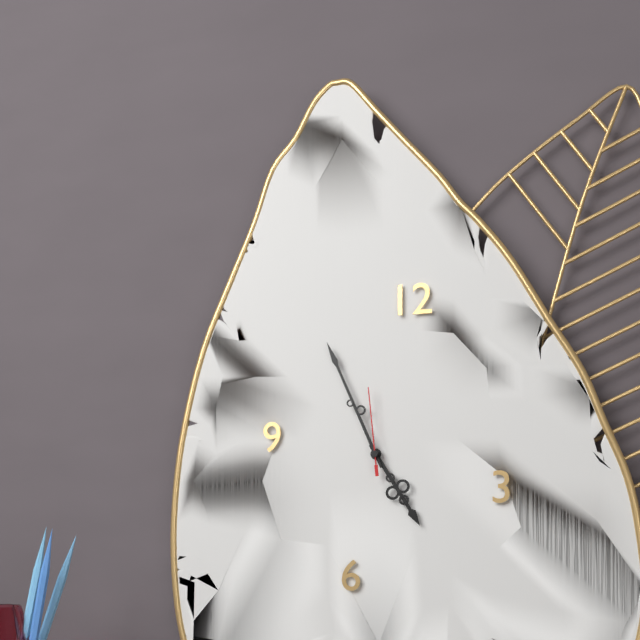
**4:56:59**
